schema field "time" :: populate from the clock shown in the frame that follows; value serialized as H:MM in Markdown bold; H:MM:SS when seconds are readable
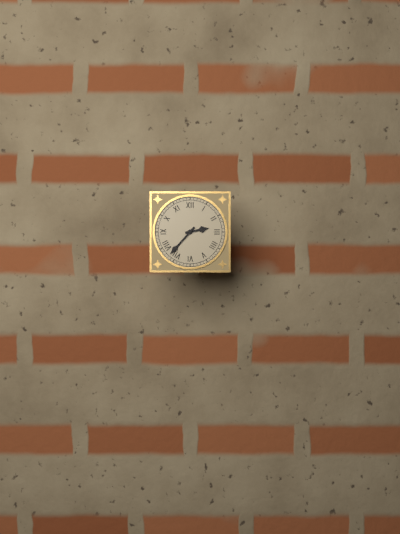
**2:37**
